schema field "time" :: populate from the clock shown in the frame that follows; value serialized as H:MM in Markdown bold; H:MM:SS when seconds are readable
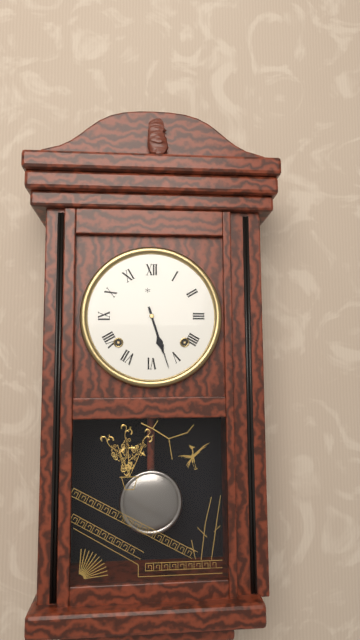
**5:27**
